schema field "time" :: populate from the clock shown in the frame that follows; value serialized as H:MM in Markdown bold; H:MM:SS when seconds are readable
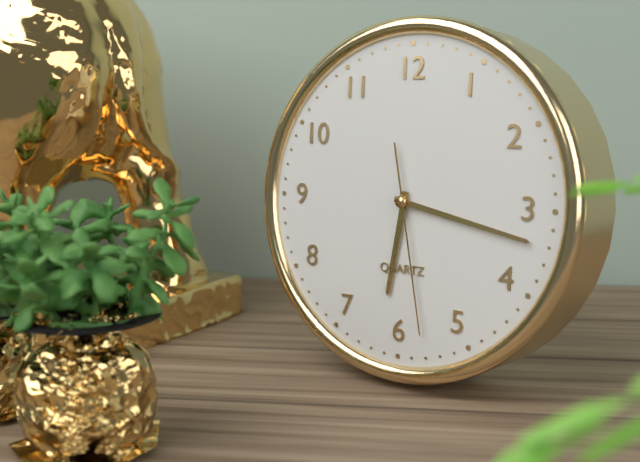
**6:17:28**
